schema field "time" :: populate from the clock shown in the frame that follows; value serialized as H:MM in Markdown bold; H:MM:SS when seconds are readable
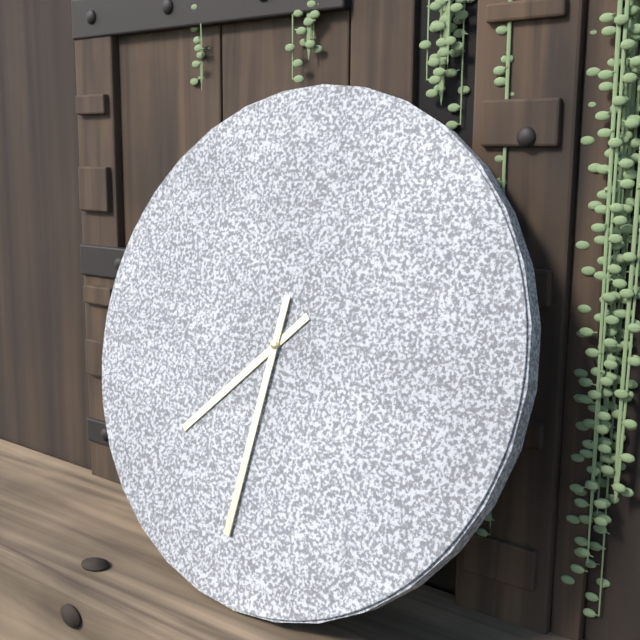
**7:31**
